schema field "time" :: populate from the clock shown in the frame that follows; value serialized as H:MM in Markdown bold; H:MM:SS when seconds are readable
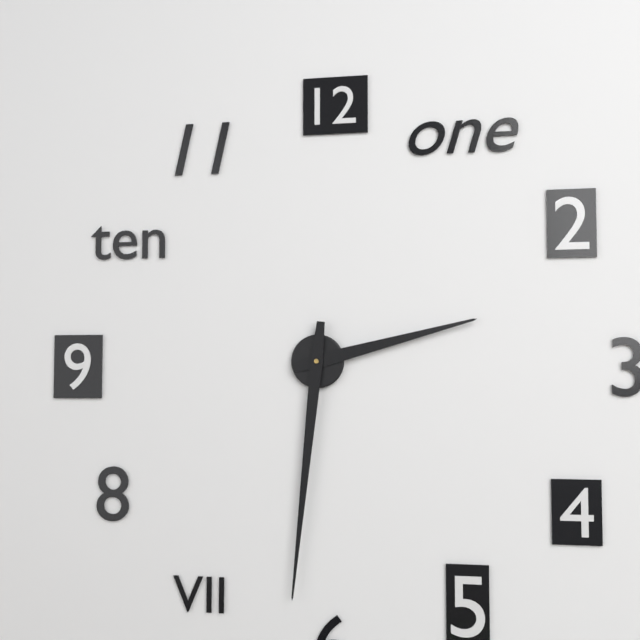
**2:31**
